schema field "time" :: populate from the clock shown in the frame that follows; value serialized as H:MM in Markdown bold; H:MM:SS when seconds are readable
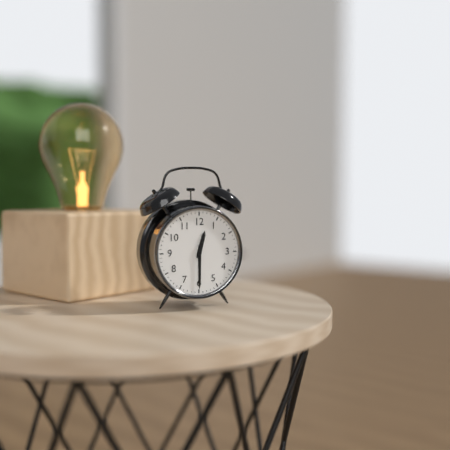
**12:30**
